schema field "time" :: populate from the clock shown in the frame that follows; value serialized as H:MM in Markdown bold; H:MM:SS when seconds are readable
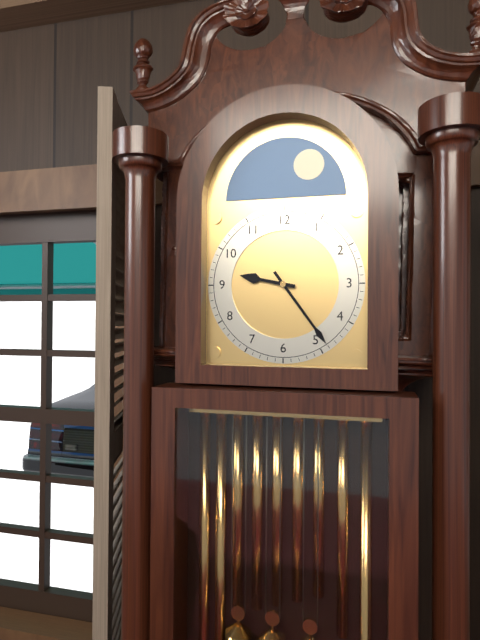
**9:24**
